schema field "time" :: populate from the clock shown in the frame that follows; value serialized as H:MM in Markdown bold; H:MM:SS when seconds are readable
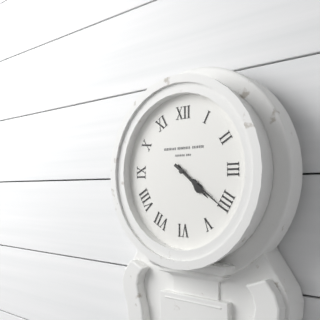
**4:21**
